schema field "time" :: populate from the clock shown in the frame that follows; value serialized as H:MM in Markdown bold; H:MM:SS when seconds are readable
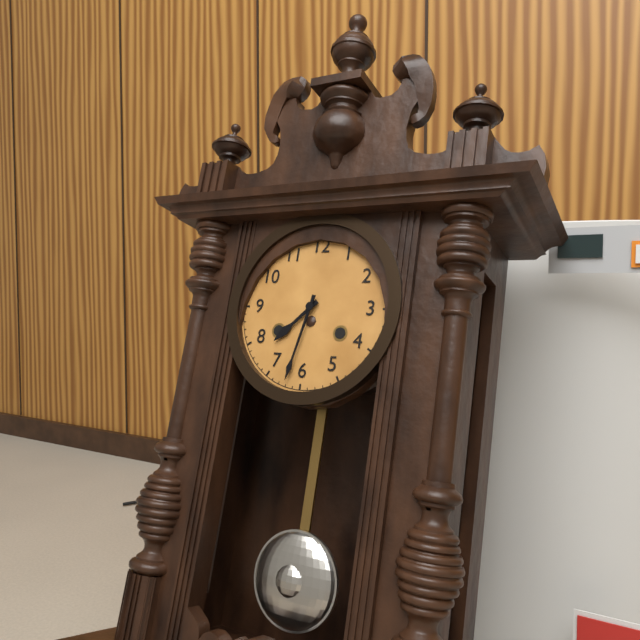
**7:32**
